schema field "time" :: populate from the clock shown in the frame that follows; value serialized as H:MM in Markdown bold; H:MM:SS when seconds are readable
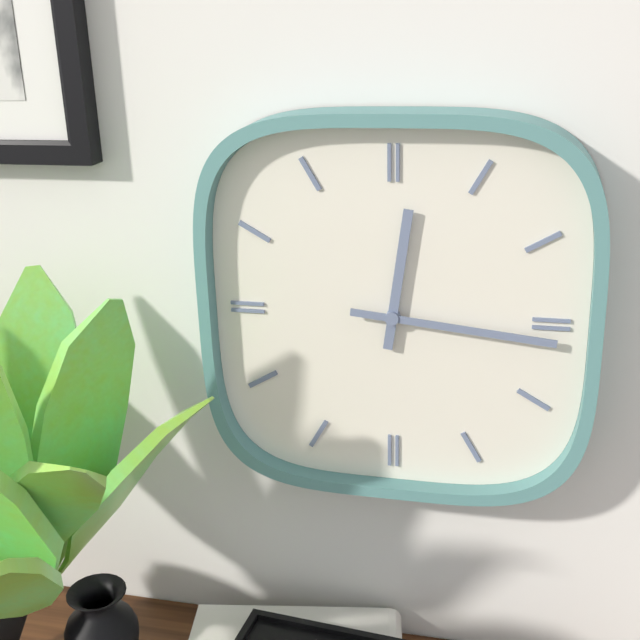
**12:16**
